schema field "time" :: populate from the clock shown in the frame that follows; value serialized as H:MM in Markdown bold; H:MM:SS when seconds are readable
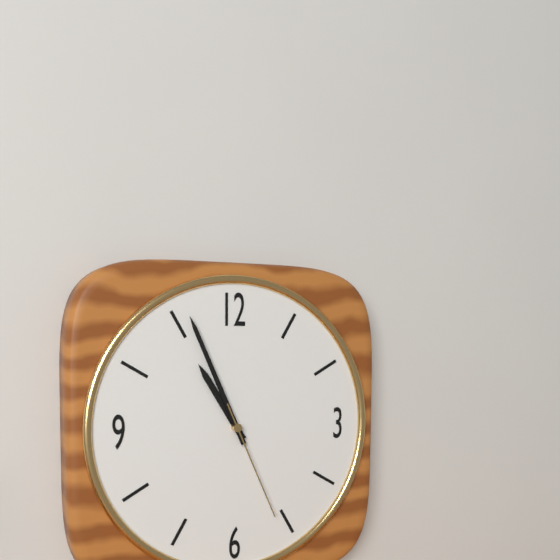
**10:56:26**
